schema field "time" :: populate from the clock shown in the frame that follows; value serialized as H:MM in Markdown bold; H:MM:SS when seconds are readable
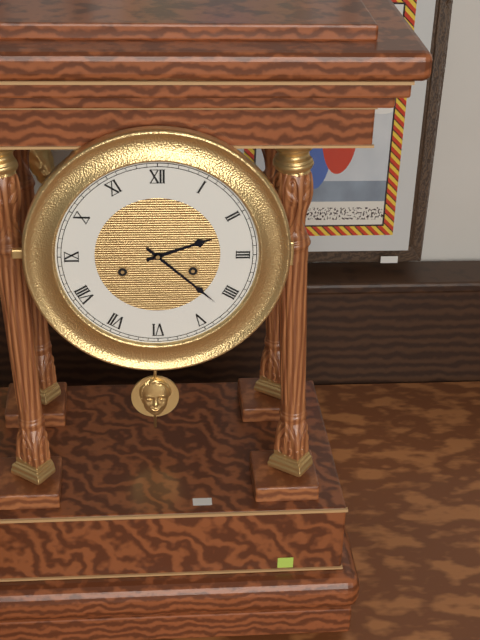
**2:22**
